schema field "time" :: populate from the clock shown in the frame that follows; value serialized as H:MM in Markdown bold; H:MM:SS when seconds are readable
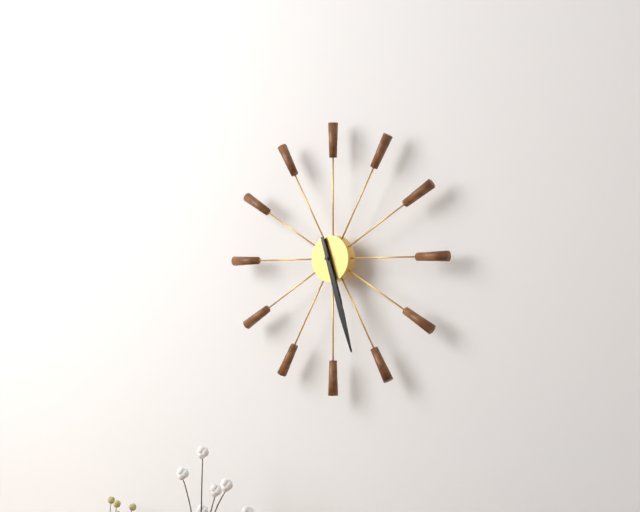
**5:27**
